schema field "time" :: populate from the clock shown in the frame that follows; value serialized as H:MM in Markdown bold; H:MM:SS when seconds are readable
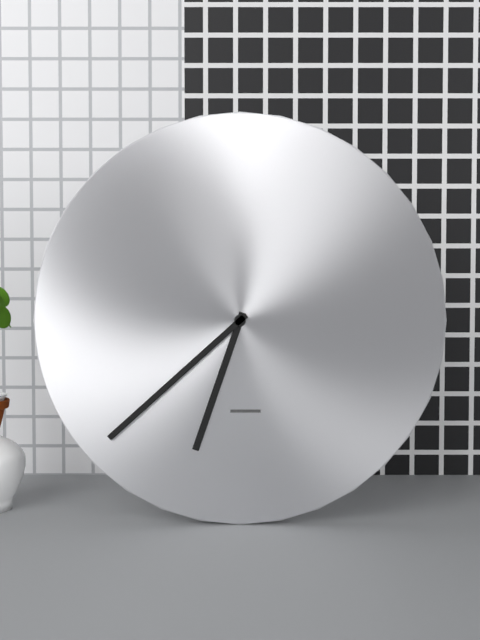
**6:38**
